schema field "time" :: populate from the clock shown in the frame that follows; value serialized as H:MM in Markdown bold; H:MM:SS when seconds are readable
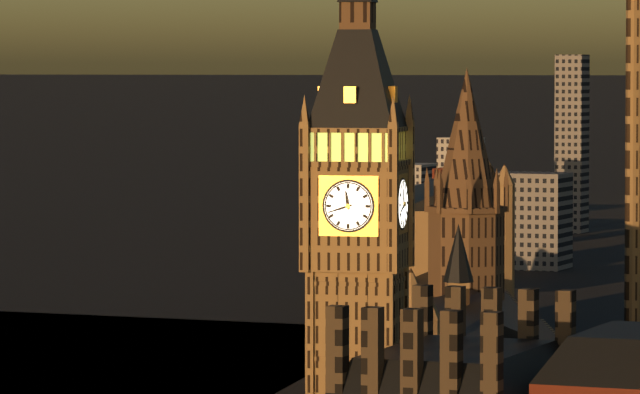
**11:42**
